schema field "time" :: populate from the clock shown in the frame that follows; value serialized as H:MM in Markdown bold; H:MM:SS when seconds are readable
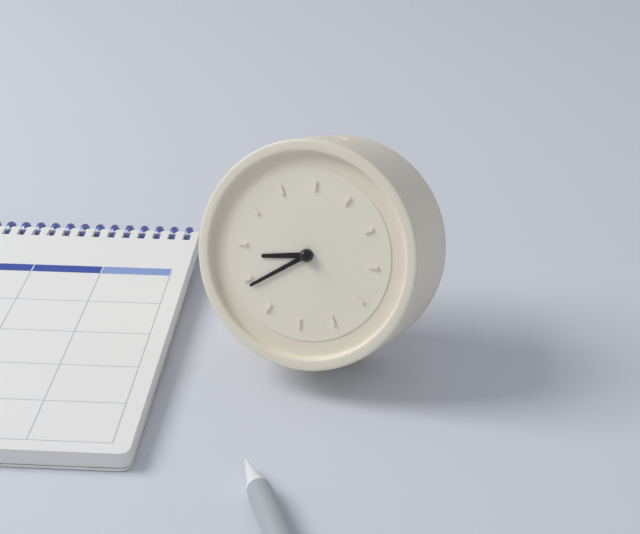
**8:39**
